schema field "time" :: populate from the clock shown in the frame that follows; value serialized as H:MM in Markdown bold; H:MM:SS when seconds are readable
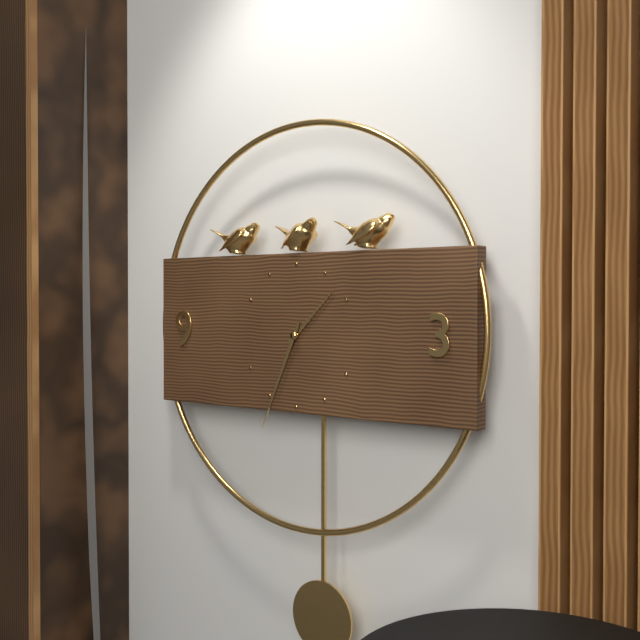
**1:34**
